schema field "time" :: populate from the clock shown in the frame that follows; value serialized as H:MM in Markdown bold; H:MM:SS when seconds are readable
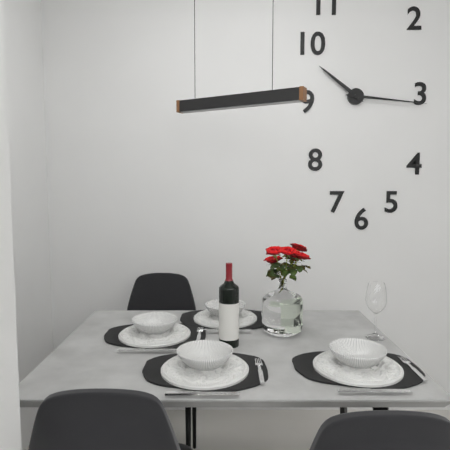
**10:16**
